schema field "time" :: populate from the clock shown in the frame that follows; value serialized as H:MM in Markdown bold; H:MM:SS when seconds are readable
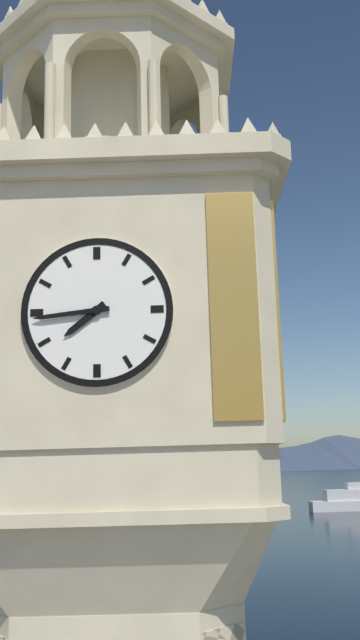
**7:44**
